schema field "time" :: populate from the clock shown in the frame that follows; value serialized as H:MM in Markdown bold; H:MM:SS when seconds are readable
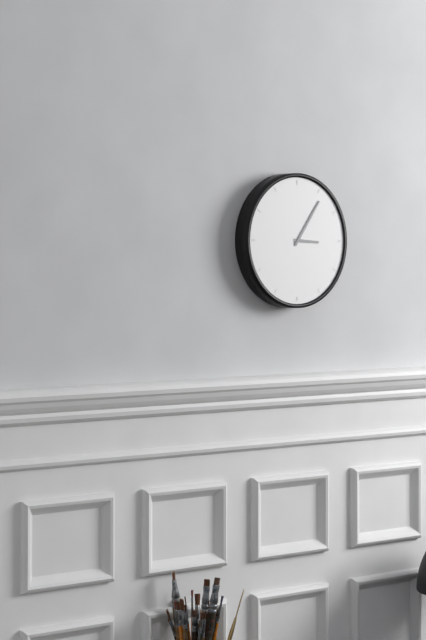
**3:06**
